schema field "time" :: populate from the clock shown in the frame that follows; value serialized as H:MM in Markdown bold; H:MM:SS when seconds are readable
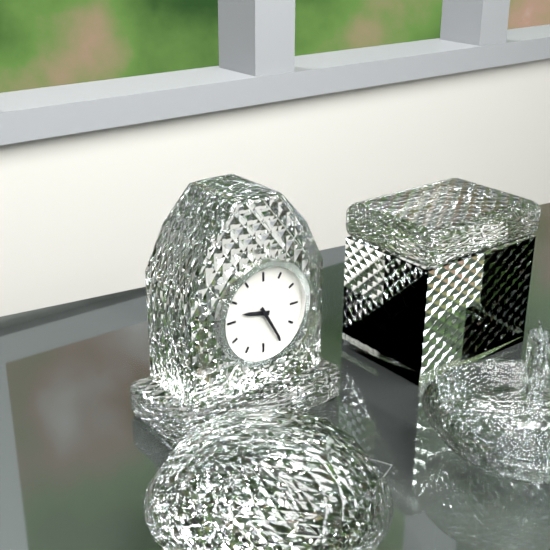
**9:25**
